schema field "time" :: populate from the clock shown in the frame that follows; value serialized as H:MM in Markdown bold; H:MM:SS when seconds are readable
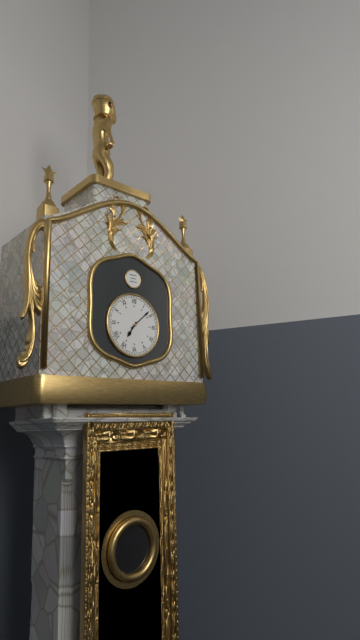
**7:08**
